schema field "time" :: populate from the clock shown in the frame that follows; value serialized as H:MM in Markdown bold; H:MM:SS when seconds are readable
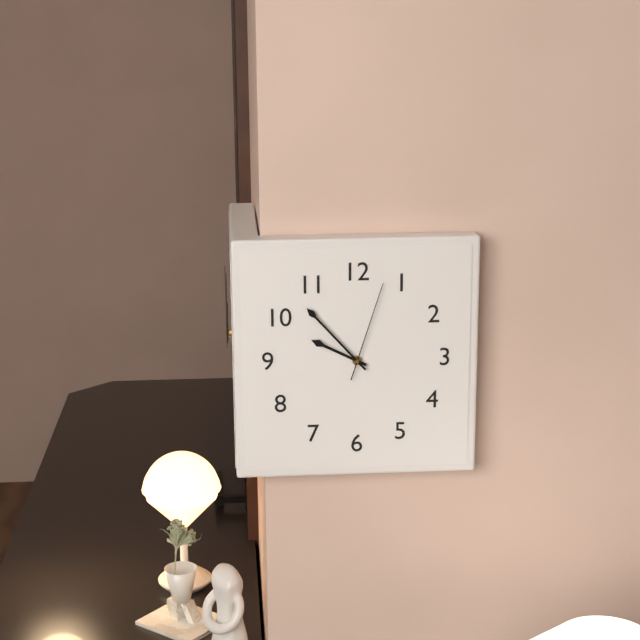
**9:53:03**
